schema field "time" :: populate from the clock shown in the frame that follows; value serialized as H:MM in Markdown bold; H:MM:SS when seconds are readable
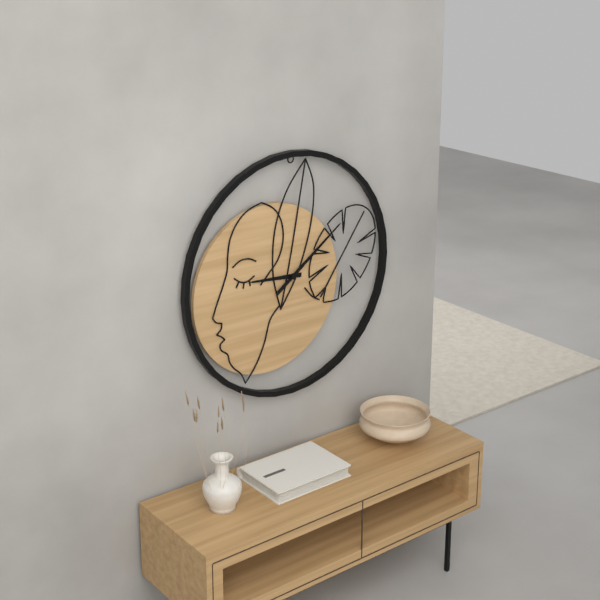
**9:09**
